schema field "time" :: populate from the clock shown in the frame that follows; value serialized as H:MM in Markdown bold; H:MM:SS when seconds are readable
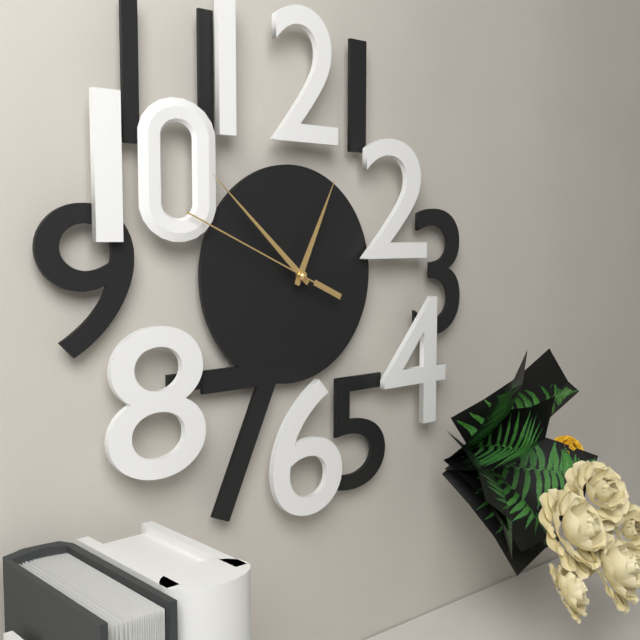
**12:52:49**
